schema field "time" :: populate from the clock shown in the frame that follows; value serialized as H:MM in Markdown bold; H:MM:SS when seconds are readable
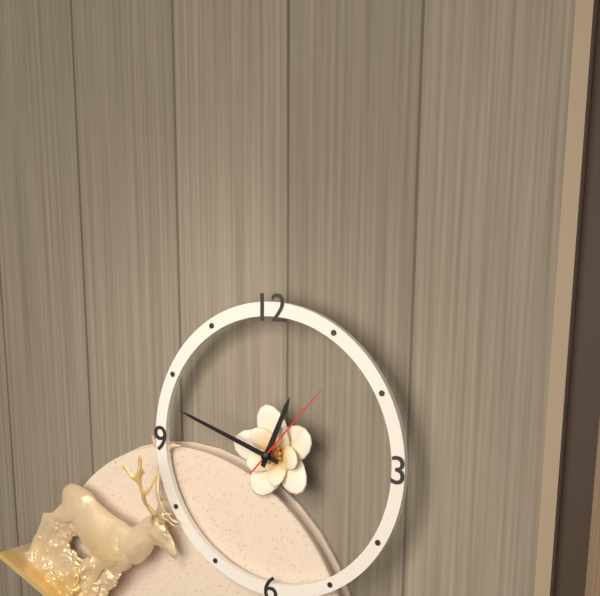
**12:48:07**
